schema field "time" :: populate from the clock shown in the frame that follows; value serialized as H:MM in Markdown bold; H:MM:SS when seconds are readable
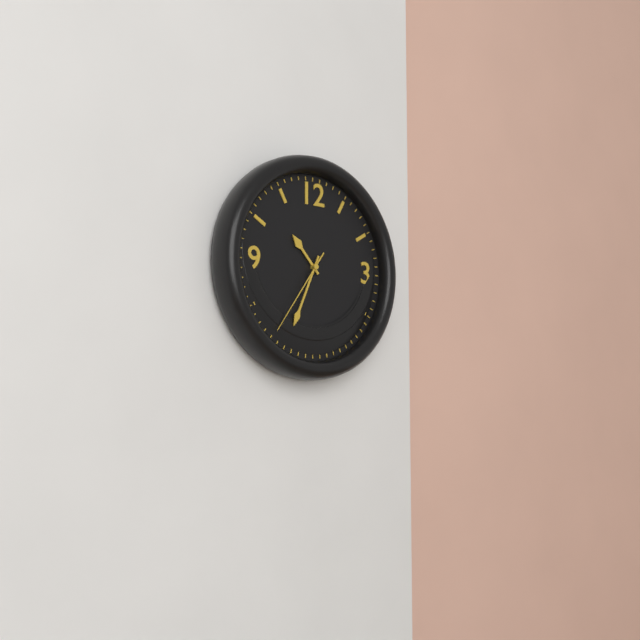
**10:34:36**
